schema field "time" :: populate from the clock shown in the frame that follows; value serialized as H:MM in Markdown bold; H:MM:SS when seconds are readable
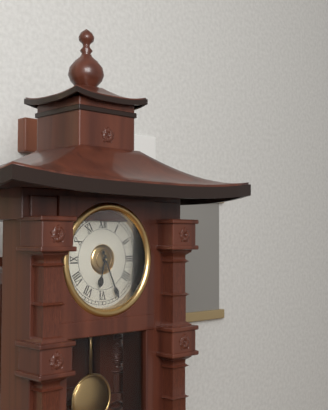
**6:26**
